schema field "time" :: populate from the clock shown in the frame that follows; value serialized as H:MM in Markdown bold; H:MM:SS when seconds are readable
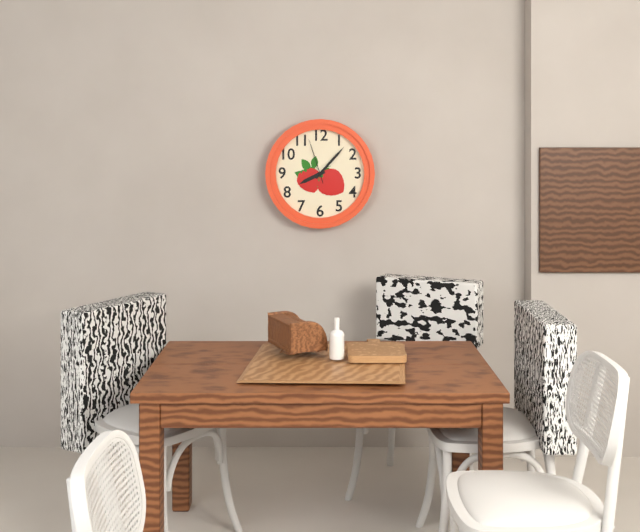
**8:07**
